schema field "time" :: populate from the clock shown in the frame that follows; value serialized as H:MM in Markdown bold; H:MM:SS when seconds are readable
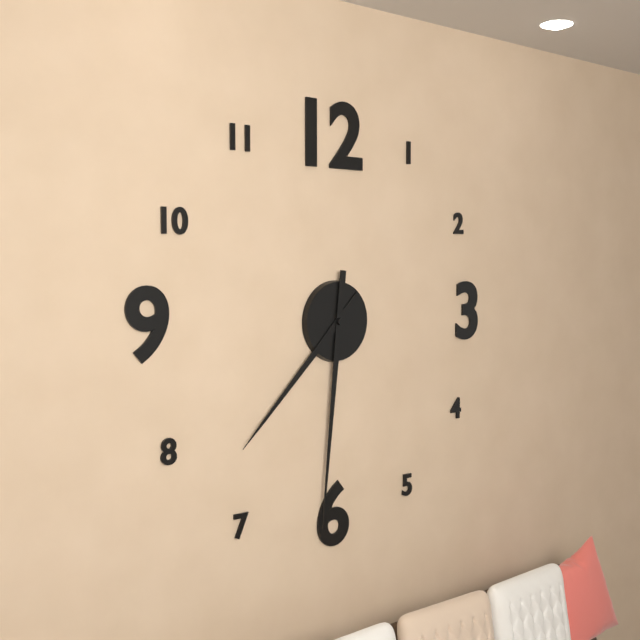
**7:31**
